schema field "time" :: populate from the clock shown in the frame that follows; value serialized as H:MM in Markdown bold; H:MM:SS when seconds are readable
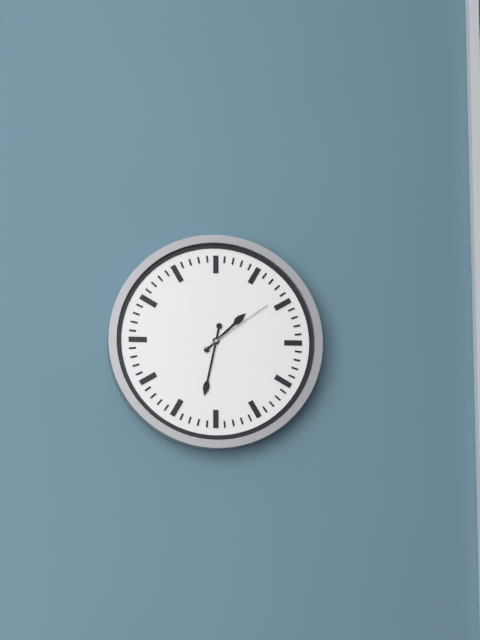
**1:32:09**
